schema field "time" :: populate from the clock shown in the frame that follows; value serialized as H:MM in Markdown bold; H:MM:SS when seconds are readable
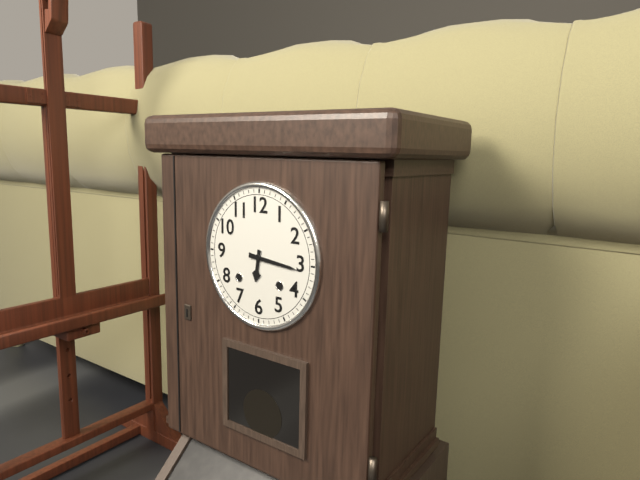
**6:16**
